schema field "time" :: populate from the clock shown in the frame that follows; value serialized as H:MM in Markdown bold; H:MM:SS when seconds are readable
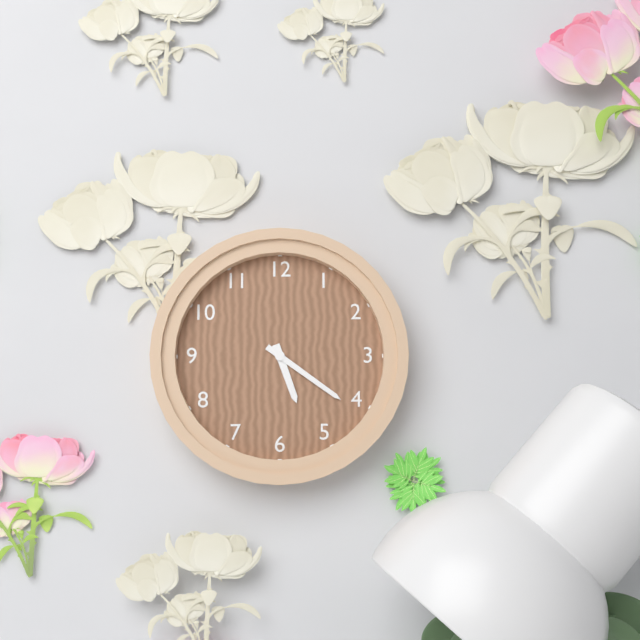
**5:21**
